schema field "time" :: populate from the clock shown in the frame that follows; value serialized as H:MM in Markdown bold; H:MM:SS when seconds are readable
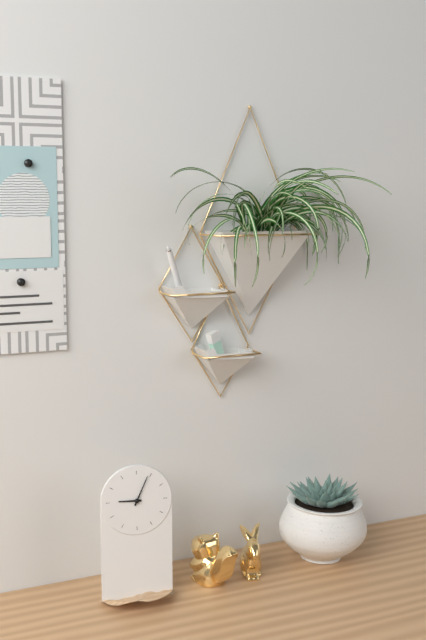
**9:04**
